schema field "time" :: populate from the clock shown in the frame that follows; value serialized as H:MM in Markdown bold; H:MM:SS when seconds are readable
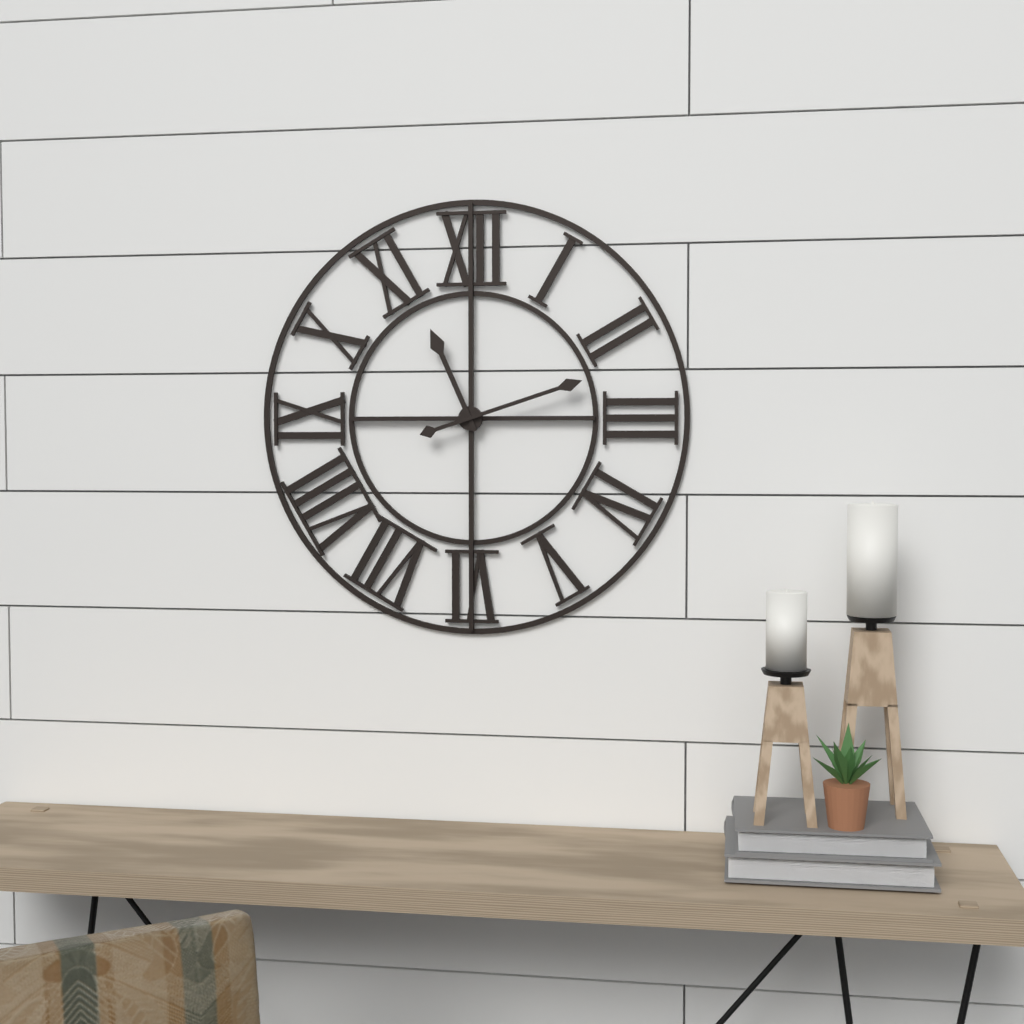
**11:12**
